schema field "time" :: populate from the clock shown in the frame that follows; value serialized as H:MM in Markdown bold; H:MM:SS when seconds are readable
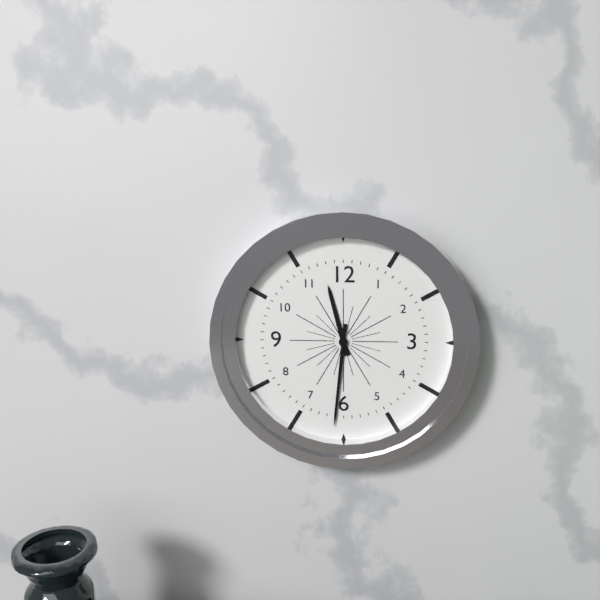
**11:31**
